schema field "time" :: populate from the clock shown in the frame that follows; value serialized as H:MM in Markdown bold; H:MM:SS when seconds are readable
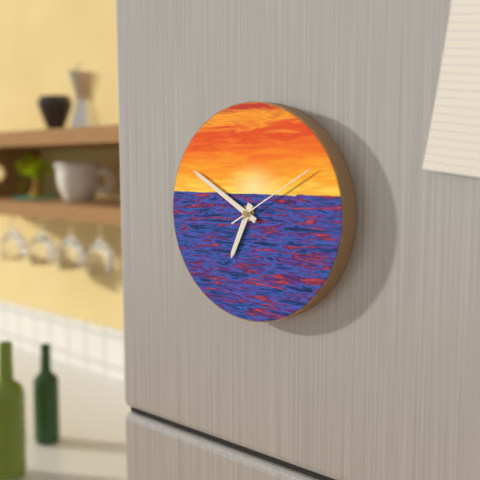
**6:50:10**
